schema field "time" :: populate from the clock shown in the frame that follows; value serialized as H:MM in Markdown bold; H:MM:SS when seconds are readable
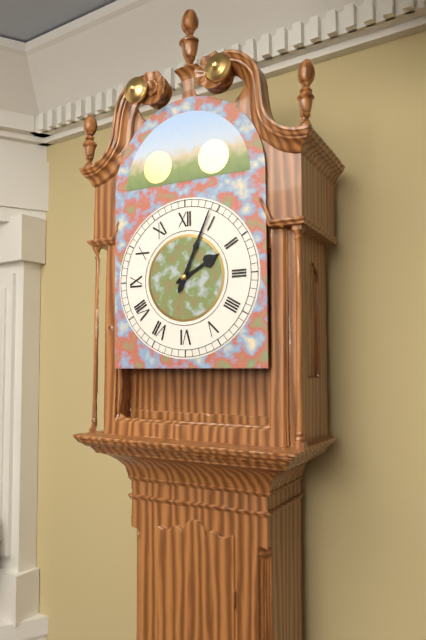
**2:04**
